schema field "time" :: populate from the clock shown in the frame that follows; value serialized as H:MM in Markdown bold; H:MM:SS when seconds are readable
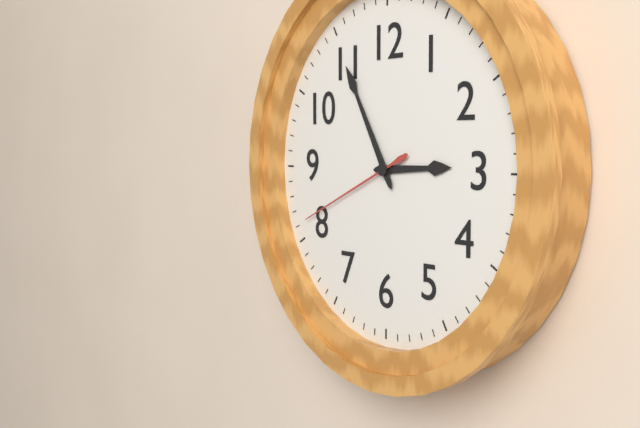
**2:55:41**
